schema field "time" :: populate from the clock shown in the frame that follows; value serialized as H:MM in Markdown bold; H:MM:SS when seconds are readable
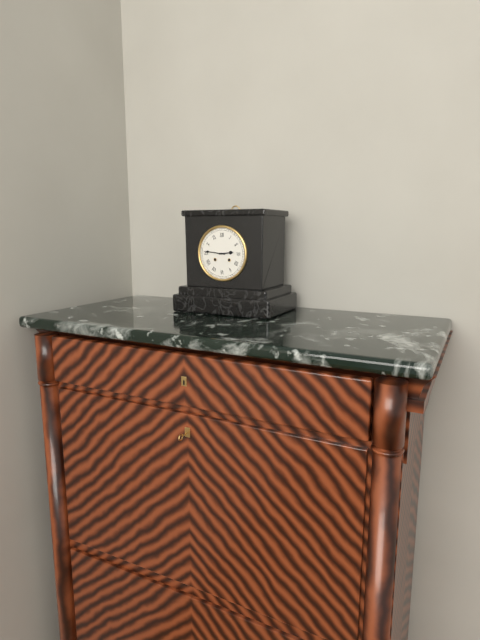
**2:46**
